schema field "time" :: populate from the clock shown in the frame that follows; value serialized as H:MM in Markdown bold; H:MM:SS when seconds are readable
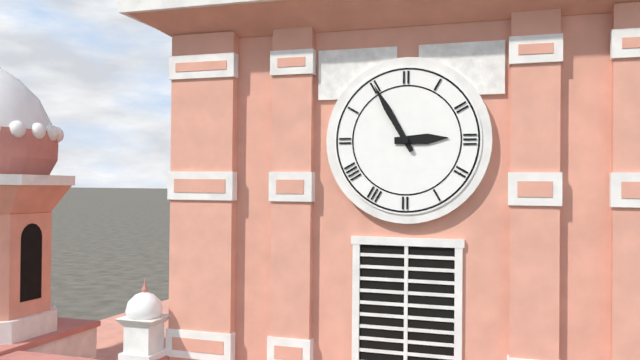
**2:55**
